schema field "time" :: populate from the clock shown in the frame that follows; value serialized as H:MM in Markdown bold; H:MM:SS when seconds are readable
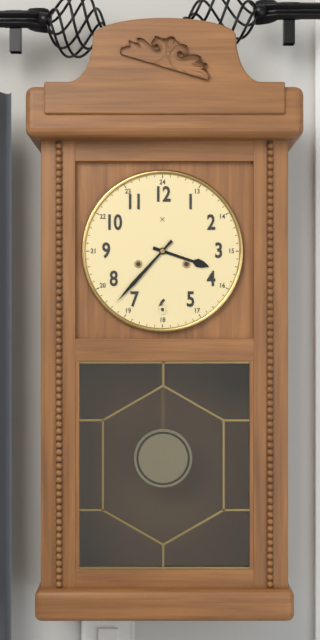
**3:37**
